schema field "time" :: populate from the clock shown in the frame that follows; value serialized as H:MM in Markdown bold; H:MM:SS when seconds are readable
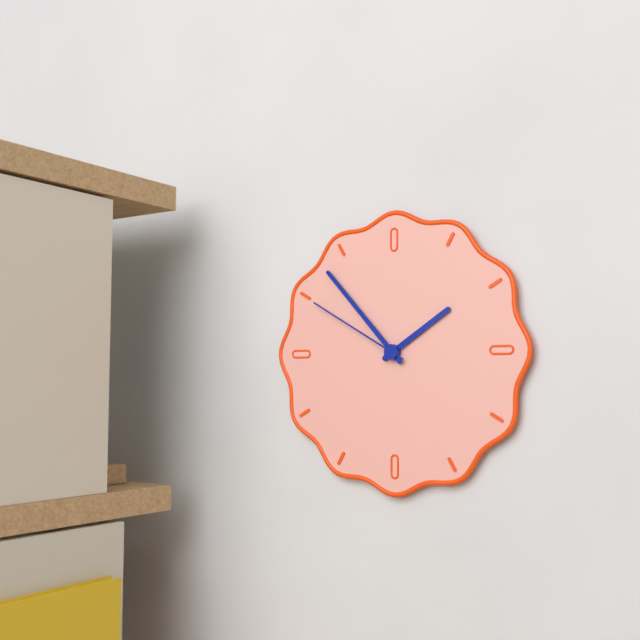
**1:53:50**
